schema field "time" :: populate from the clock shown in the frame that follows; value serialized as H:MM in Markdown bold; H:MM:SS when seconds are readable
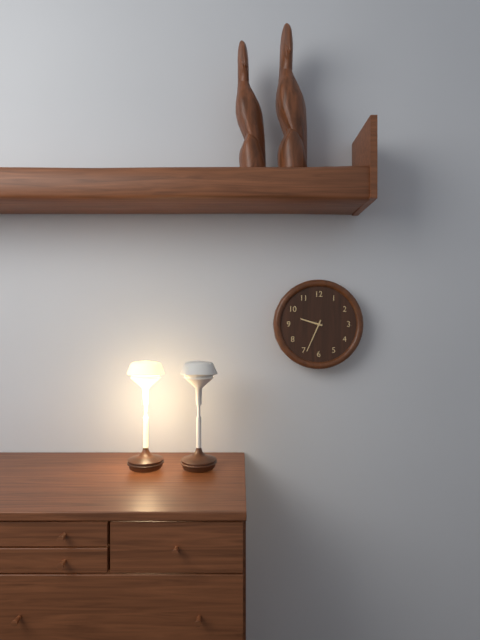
**9:34**
